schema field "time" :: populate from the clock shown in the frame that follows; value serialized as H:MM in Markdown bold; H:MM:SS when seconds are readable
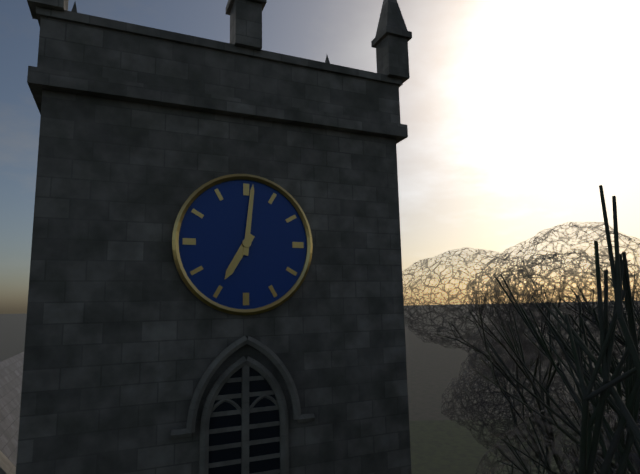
**7:01**
